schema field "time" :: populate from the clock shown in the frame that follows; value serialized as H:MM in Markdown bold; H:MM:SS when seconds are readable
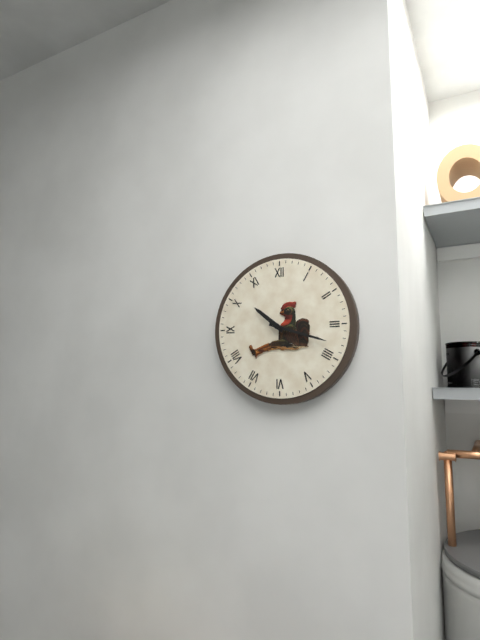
**10:18**
